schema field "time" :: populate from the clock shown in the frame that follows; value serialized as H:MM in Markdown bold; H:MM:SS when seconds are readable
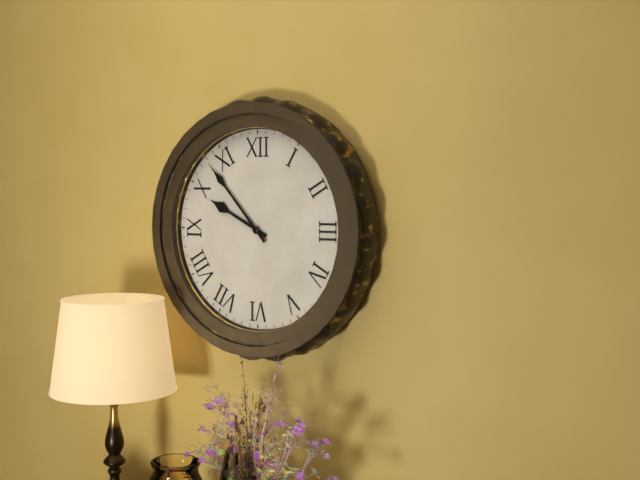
**9:53**
